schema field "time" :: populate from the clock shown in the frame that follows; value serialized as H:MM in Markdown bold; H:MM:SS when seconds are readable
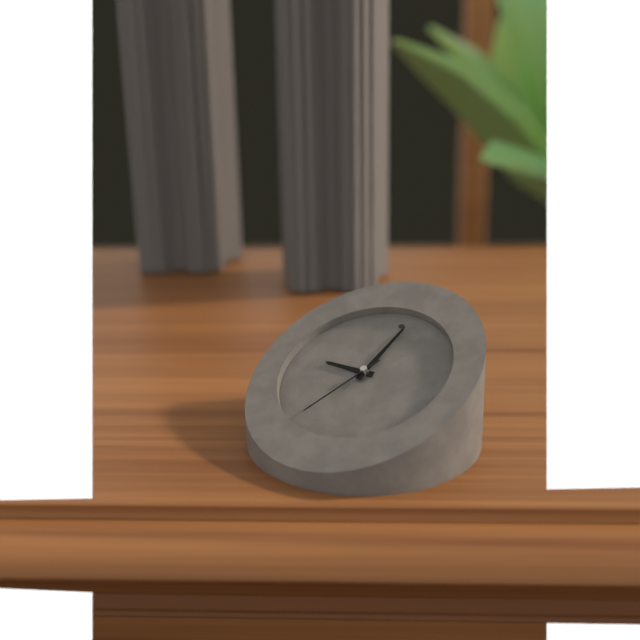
**9:01:34**
